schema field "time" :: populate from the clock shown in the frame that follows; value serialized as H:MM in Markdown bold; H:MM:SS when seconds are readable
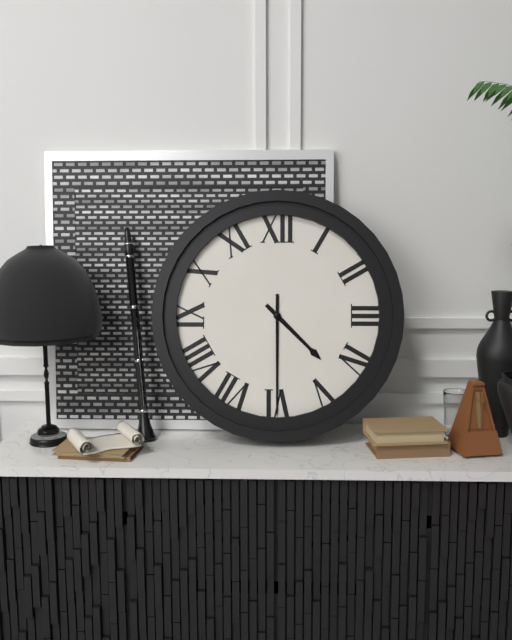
**4:30**
